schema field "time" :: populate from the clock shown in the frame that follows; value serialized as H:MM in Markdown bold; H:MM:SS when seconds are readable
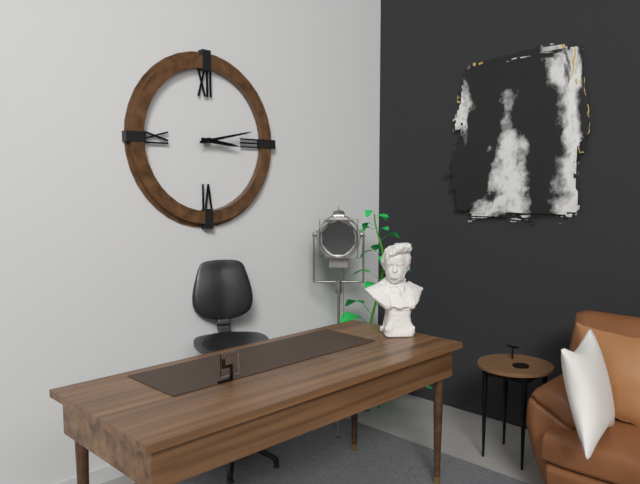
**3:13**
